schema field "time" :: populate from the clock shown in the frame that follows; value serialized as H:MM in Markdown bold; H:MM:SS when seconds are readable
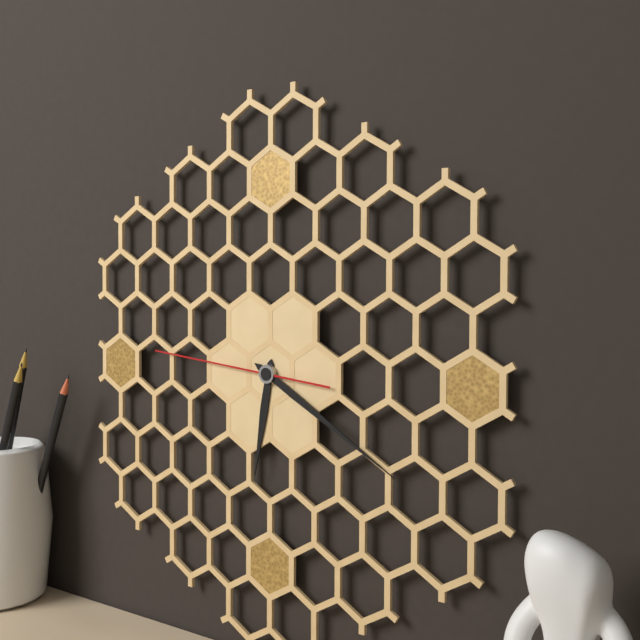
**6:20:46**
